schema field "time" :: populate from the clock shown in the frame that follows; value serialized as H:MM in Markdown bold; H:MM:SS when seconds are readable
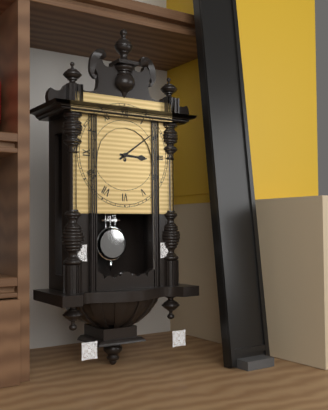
**3:09**
